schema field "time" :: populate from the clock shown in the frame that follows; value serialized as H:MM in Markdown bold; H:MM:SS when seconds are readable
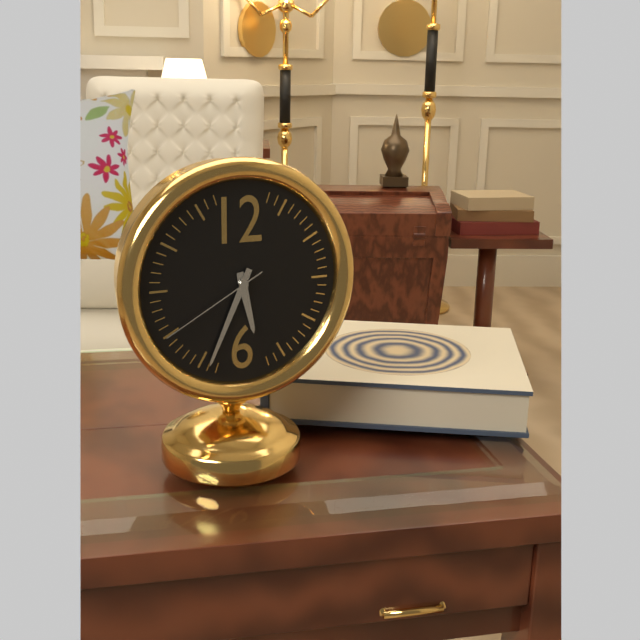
**5:34:40**
